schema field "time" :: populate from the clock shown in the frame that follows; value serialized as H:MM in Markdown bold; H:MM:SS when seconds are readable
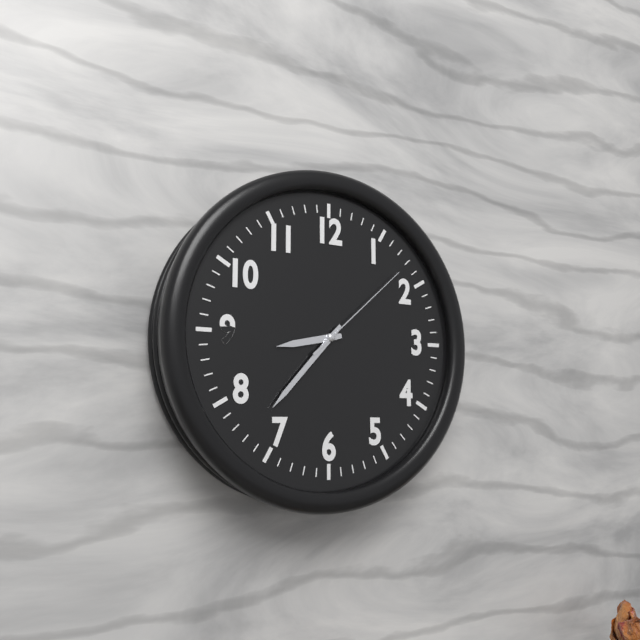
**8:37:08**
